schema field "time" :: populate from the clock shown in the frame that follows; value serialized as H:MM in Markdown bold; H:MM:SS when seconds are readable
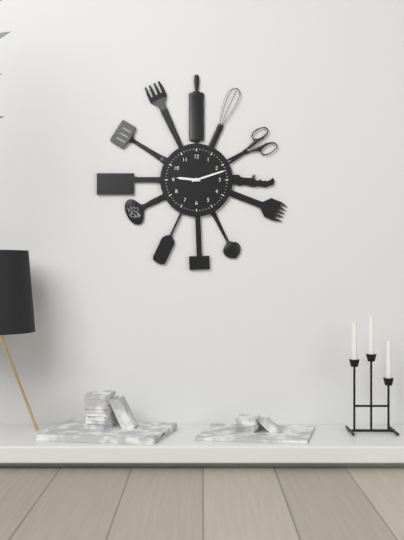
**9:12**
